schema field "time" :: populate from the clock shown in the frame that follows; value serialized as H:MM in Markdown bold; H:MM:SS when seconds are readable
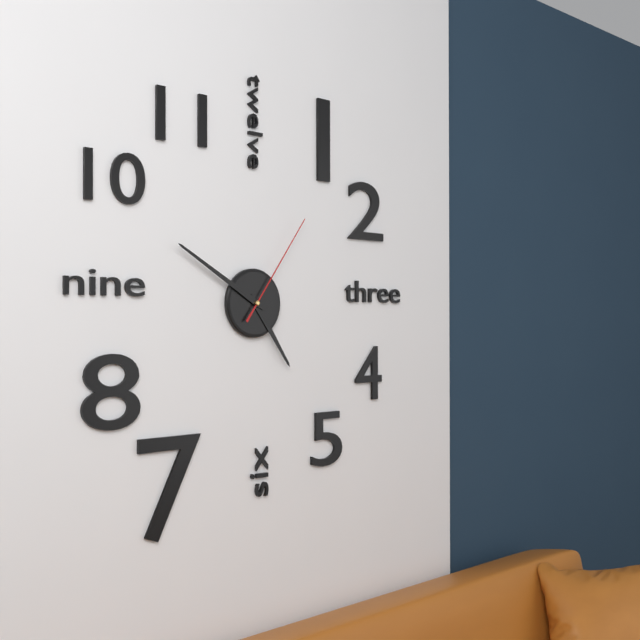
**4:50:06**
